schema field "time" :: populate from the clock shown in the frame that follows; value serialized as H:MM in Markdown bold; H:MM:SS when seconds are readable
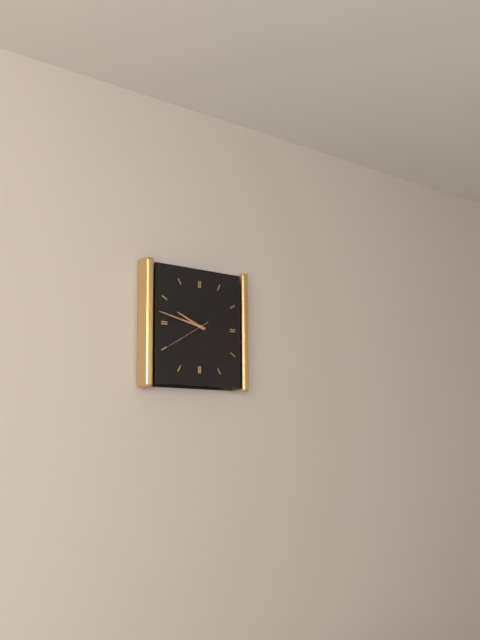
**9:47**
